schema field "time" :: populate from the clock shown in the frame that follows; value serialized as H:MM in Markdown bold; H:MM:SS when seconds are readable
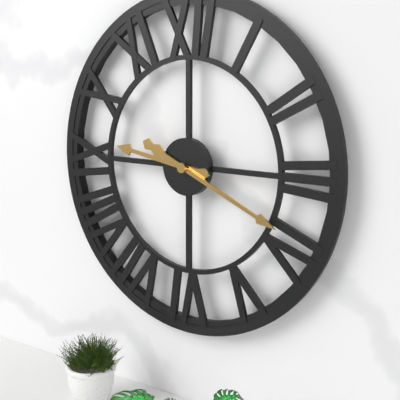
**9:19**
